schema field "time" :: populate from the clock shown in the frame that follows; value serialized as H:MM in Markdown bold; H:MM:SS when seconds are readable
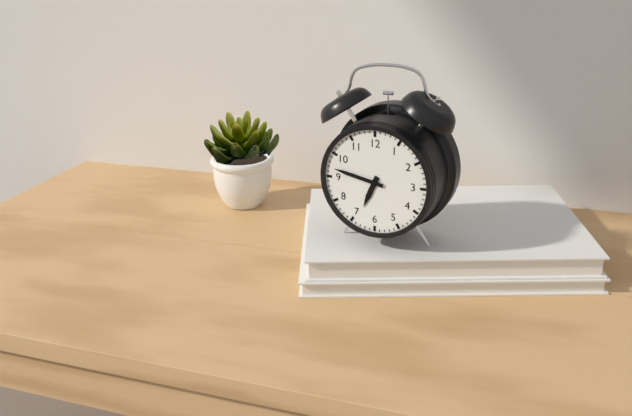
**6:47**
